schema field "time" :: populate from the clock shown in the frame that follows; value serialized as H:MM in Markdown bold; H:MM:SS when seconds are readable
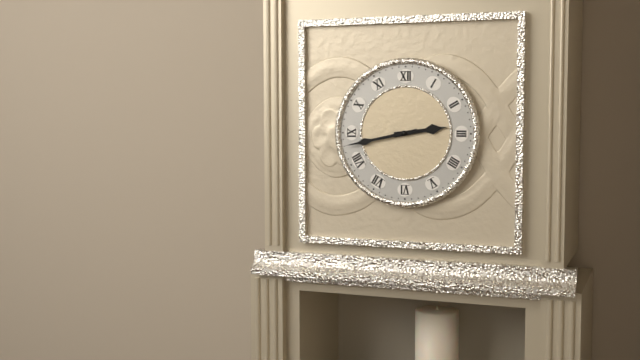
**2:43**
